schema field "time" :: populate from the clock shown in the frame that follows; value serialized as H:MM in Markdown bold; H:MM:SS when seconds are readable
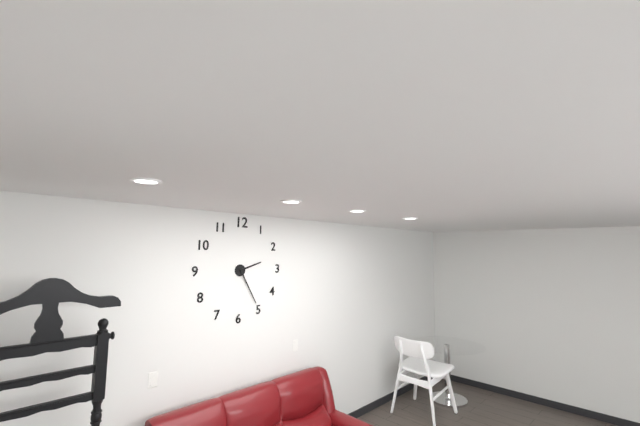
**2:25**
